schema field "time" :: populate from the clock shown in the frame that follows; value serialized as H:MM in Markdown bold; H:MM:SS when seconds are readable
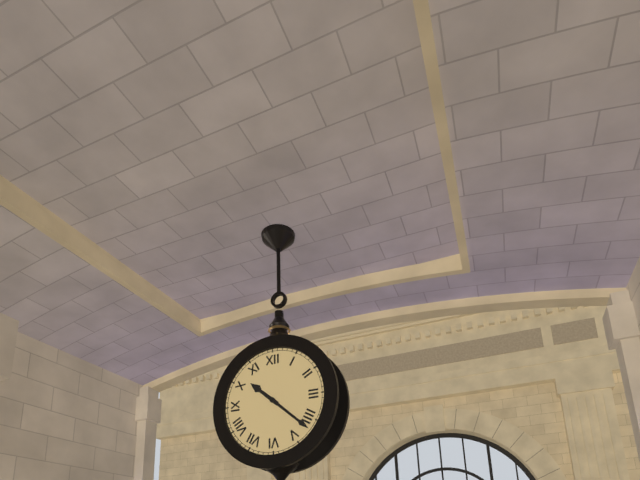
**10:22**
